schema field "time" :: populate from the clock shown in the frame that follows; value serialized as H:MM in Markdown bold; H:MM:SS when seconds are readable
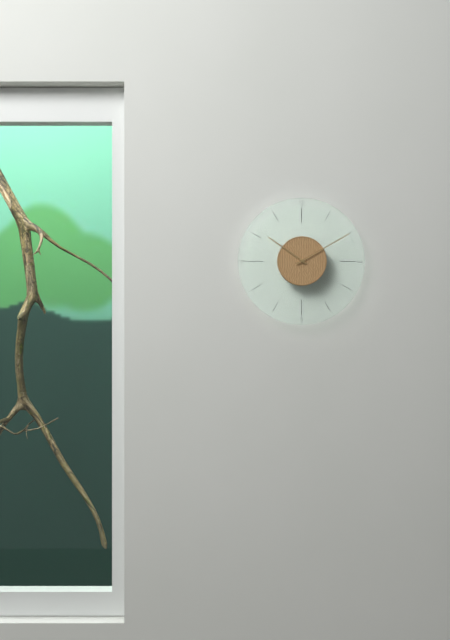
**10:10**
